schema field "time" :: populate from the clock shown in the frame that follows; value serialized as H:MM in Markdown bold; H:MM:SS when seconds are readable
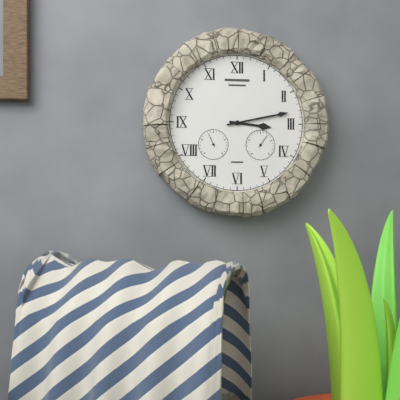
**3:13**
